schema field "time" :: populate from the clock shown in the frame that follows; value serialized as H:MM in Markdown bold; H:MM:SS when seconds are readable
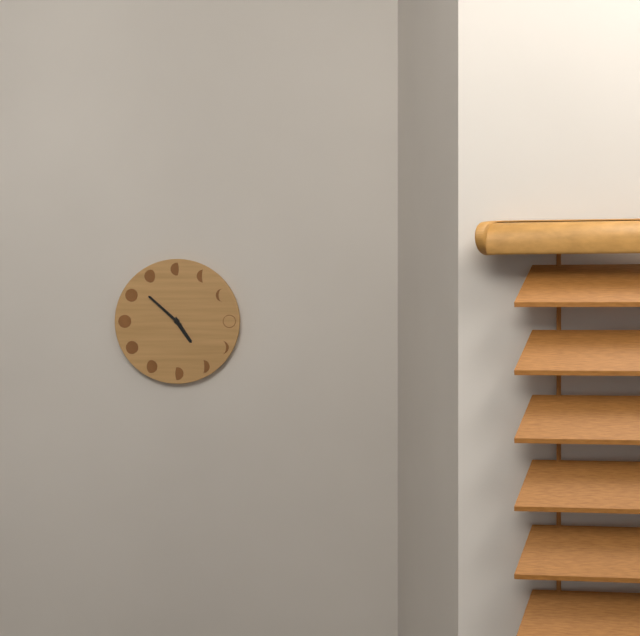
**4:52**
